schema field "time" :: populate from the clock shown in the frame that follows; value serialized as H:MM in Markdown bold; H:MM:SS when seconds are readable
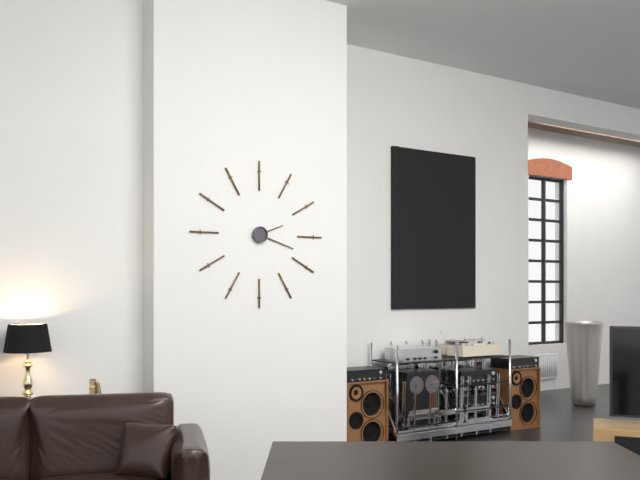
**2:18**
